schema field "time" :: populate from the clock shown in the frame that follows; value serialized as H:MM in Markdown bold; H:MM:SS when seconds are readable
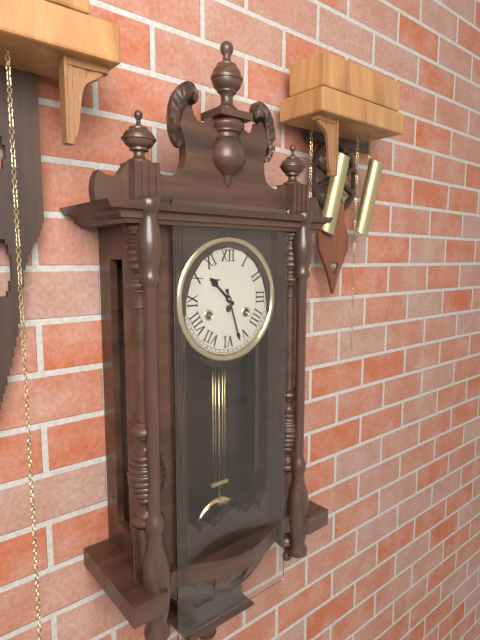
**10:27**
